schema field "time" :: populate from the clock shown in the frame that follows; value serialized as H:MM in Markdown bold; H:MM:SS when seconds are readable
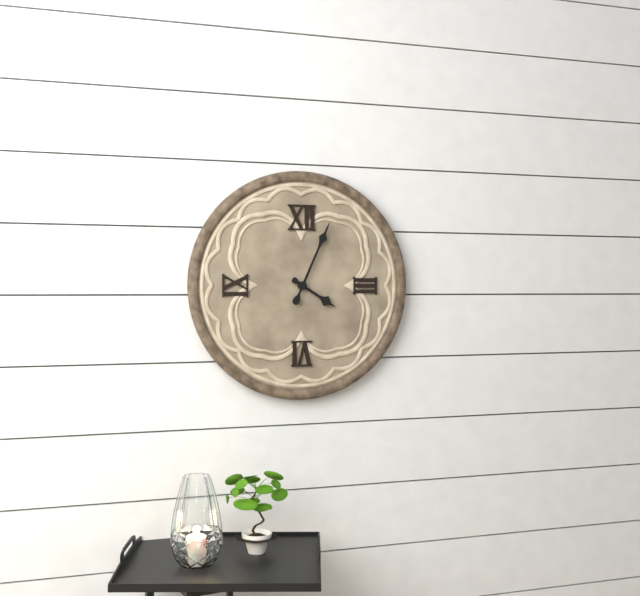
**4:04**
